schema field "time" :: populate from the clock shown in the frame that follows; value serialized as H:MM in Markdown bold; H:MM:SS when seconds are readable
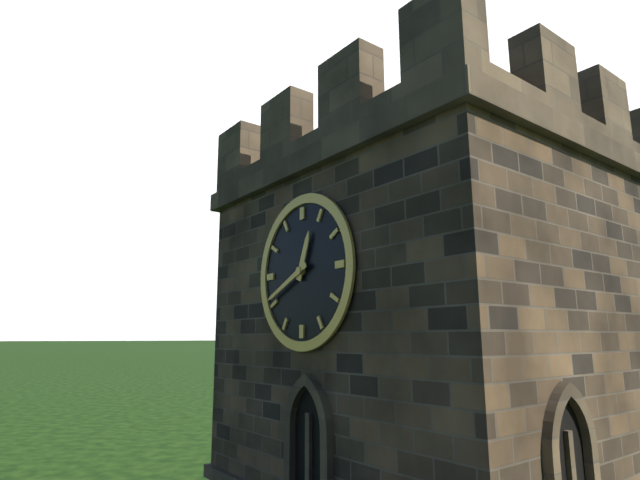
**12:41**
